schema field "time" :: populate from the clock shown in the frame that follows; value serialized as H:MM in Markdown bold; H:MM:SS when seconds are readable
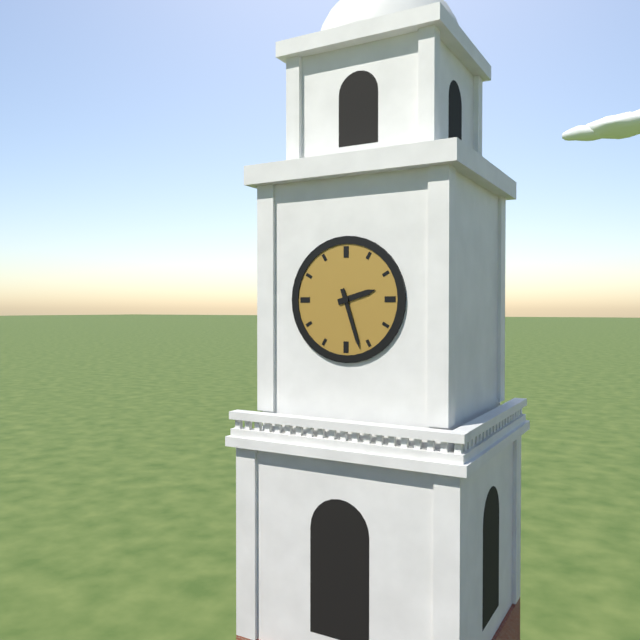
**2:27**
